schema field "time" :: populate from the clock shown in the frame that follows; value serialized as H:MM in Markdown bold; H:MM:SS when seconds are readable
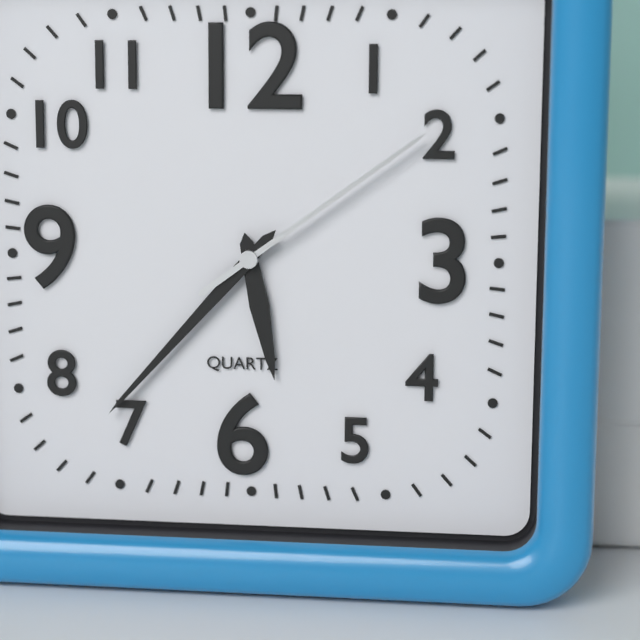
**5:37:09**
